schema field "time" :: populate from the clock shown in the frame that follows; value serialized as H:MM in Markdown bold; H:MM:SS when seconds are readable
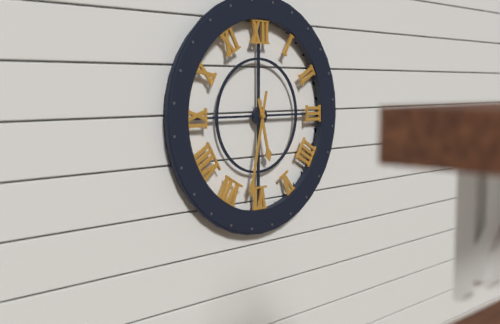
**5:32**
